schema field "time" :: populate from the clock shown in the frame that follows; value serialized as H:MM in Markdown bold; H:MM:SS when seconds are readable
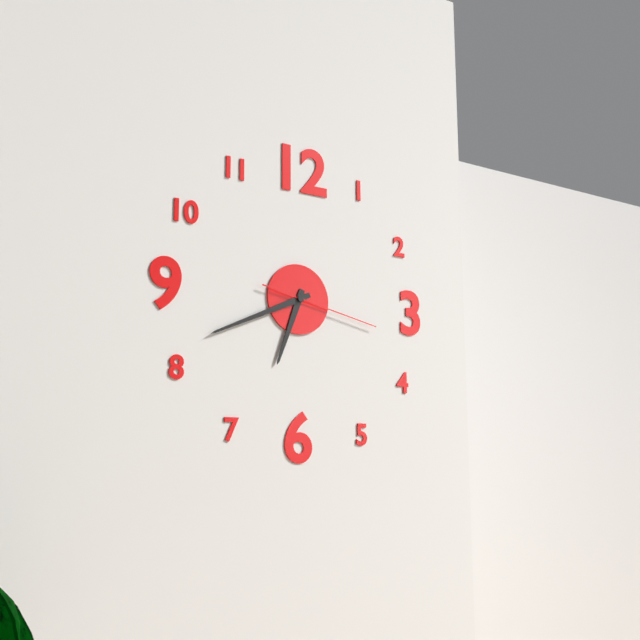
**6:41:17**
